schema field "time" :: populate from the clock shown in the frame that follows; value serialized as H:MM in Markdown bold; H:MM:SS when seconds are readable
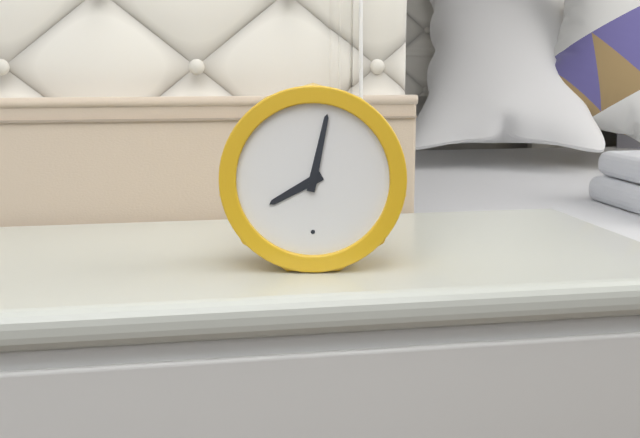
**8:02**
